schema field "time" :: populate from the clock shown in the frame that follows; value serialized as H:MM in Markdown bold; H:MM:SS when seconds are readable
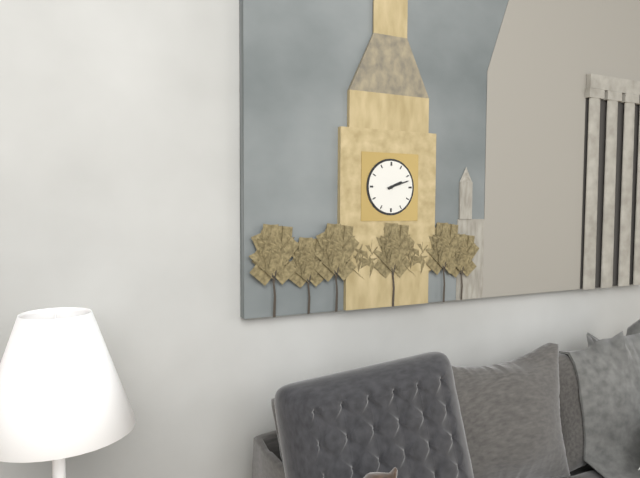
**2:12**
